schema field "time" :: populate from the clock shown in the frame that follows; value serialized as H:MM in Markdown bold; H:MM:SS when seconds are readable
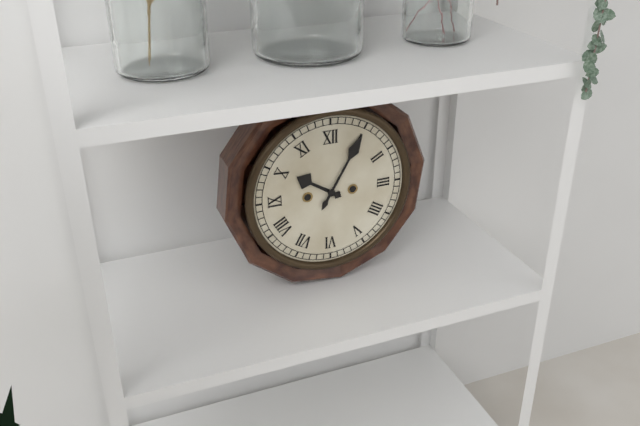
**10:05**
